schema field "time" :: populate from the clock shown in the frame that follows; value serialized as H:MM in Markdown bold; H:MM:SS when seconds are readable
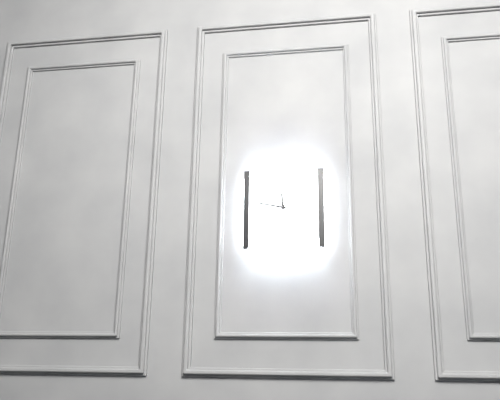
**11:47**
